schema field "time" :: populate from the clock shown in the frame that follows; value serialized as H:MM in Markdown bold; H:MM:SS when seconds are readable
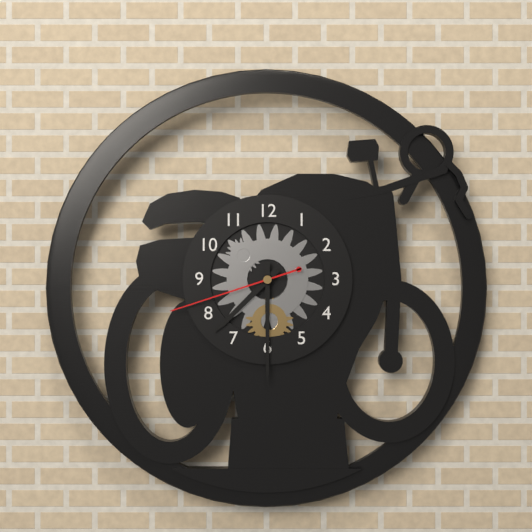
**7:30:42**
